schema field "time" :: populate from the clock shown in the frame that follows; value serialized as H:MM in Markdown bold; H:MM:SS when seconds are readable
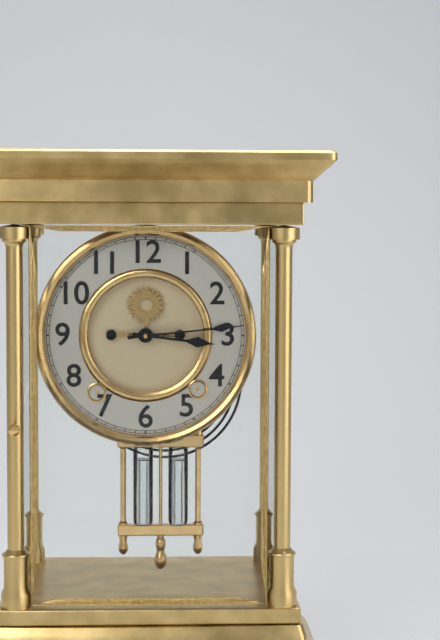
**3:14**
